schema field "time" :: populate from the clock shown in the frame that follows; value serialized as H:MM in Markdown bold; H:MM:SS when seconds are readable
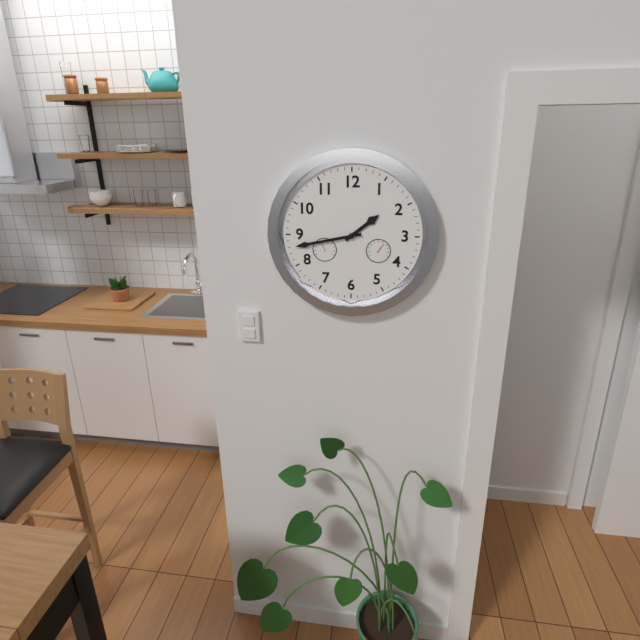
**1:43**
